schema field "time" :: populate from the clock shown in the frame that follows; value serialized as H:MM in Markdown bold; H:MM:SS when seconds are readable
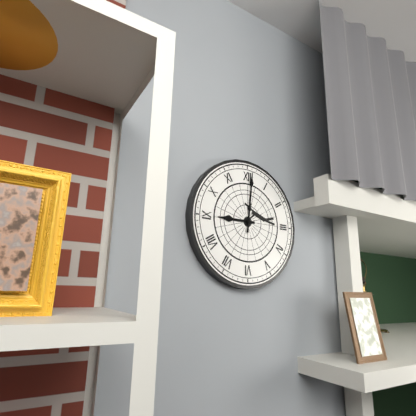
**9:01**
